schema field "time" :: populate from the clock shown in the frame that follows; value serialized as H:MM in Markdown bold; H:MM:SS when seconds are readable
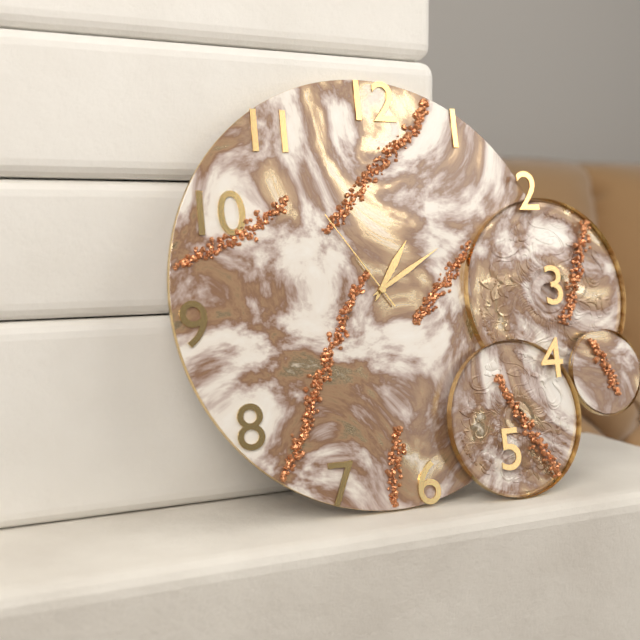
**1:10:54**
